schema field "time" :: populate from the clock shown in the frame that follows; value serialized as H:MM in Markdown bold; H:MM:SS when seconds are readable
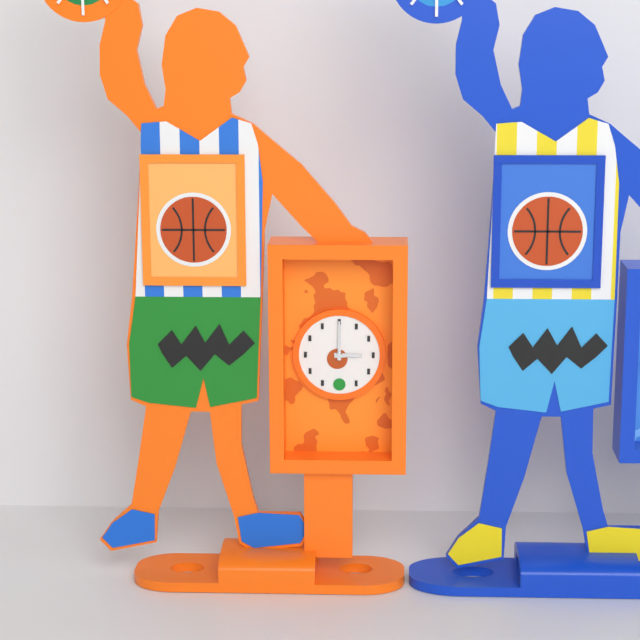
**3:00**
